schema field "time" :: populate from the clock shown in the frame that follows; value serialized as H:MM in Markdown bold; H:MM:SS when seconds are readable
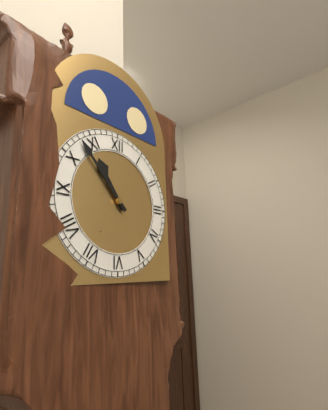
**10:53**
